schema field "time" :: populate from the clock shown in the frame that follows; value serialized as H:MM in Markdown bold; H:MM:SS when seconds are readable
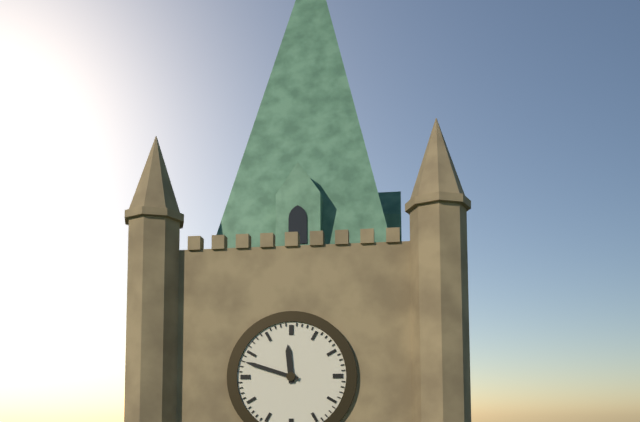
**11:48**
